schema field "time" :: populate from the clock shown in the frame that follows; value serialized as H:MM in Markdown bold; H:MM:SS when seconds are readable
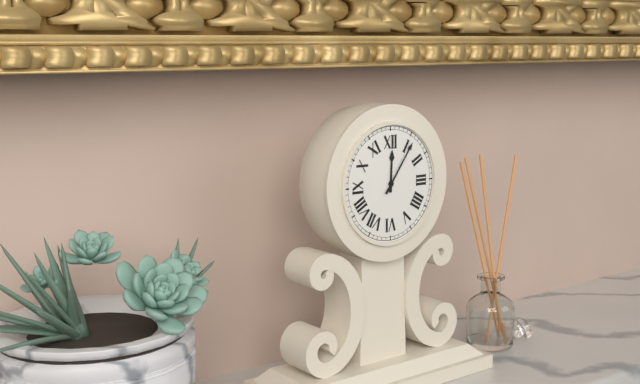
**12:06**
